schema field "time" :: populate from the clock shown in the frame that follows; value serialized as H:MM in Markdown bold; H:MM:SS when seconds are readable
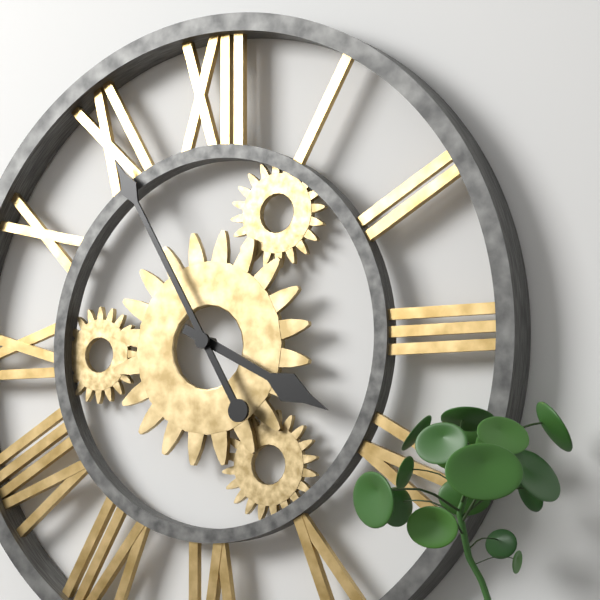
**3:55**
